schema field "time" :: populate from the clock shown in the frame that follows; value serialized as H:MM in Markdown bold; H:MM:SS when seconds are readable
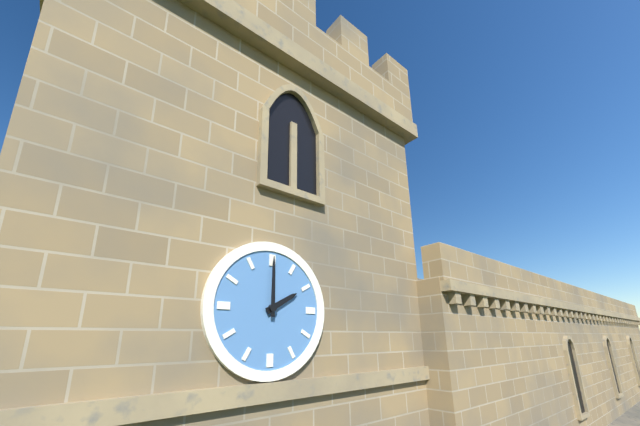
**2:00**
